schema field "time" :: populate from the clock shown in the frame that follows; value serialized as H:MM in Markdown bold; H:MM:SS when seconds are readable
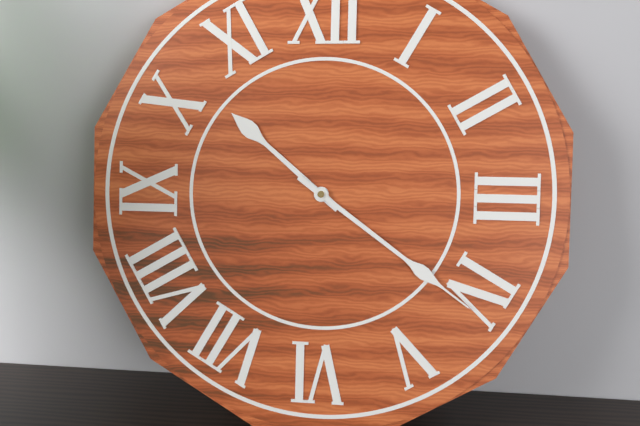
**10:21**
